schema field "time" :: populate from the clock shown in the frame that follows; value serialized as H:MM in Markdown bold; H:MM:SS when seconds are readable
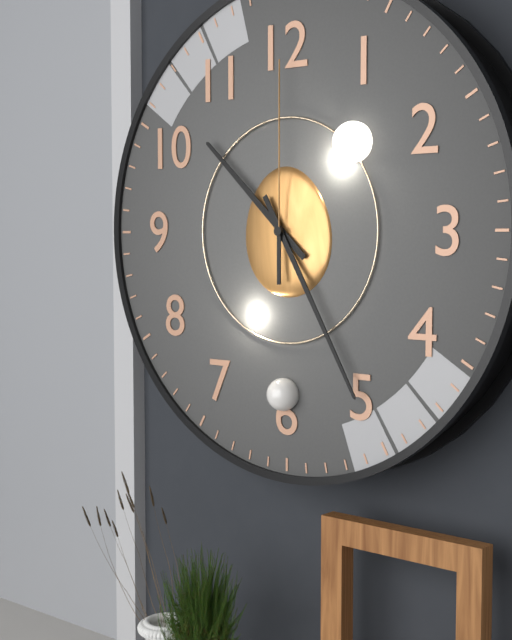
**10:25:00**
